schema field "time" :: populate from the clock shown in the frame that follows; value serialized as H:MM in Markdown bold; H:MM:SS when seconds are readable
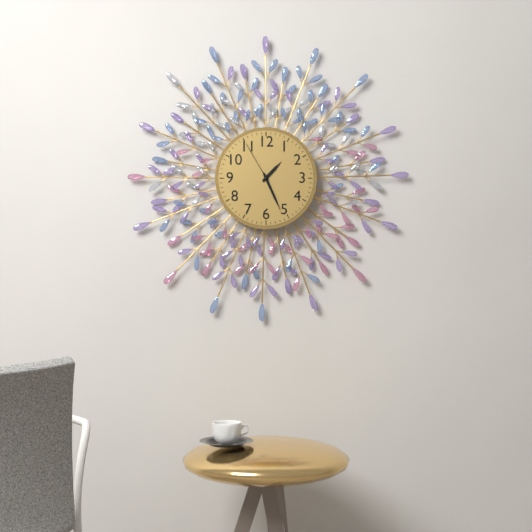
**1:26:55**
